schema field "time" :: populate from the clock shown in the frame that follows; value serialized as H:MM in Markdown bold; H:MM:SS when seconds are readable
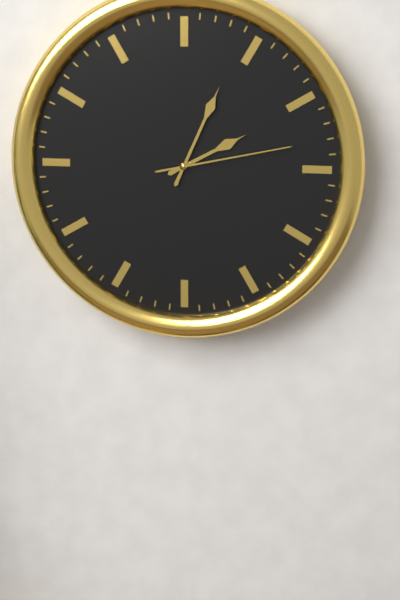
**2:04:13**
